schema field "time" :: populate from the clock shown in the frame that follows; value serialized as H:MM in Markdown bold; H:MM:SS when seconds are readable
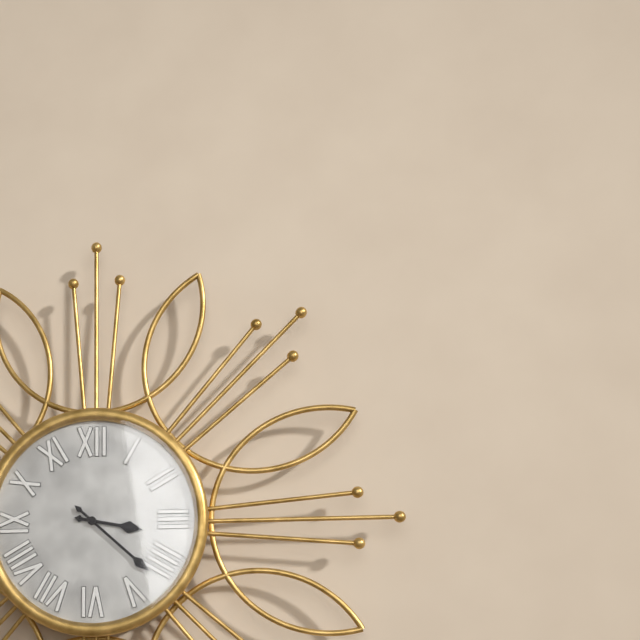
**3:22**
